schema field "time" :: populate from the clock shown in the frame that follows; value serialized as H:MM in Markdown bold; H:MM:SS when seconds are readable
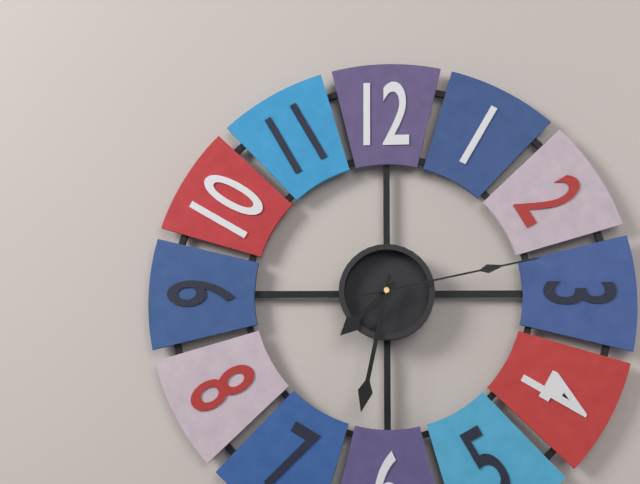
**7:32:13**
